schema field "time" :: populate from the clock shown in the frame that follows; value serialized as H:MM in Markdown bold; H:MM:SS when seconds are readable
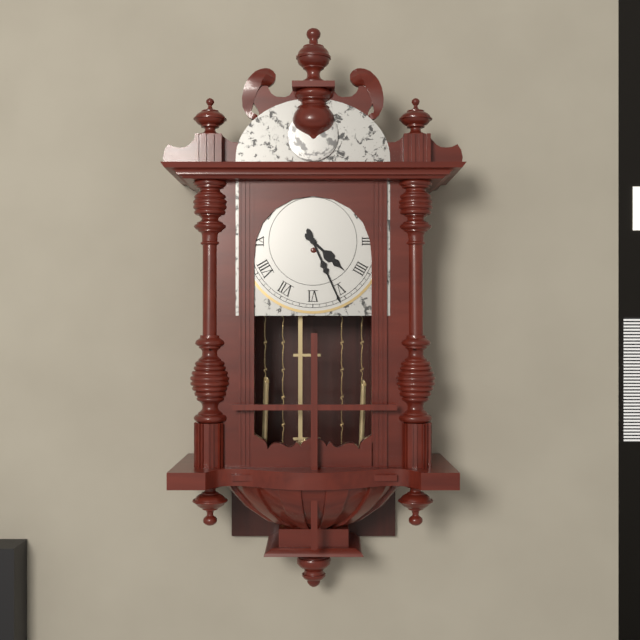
**4:26**
